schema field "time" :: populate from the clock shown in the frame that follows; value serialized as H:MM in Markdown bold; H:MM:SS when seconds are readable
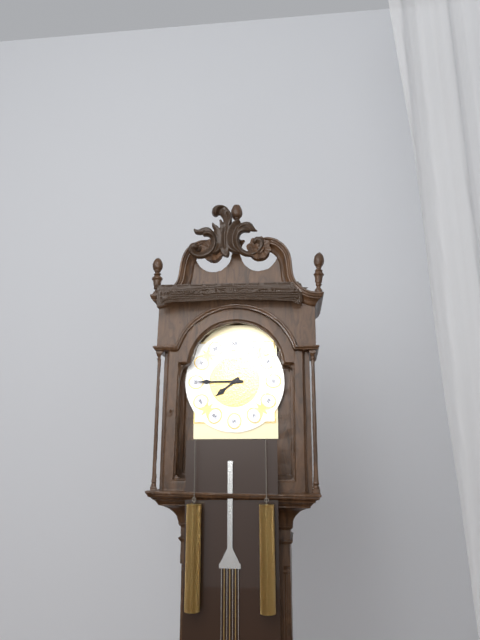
**7:45**
